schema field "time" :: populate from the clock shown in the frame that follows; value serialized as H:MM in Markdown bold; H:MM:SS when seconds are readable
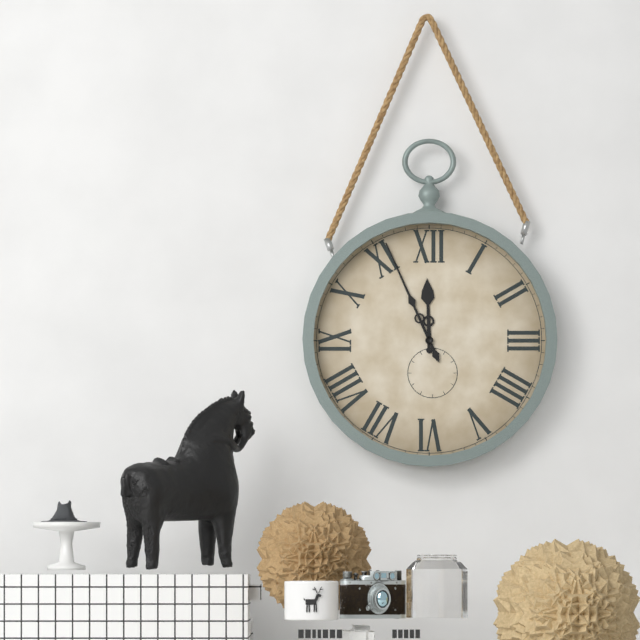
**11:56**
